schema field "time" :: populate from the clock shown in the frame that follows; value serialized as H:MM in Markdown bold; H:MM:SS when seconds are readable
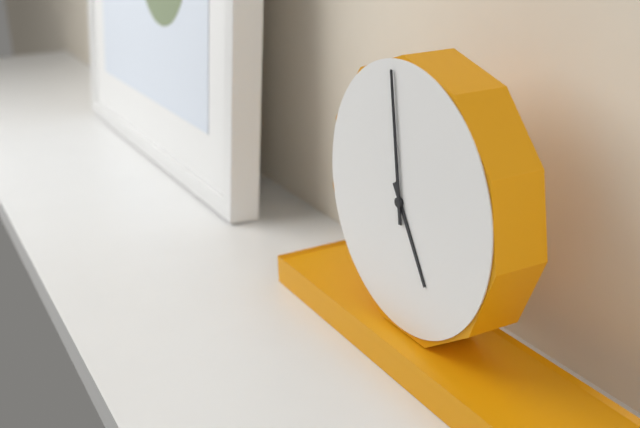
**4:59**
